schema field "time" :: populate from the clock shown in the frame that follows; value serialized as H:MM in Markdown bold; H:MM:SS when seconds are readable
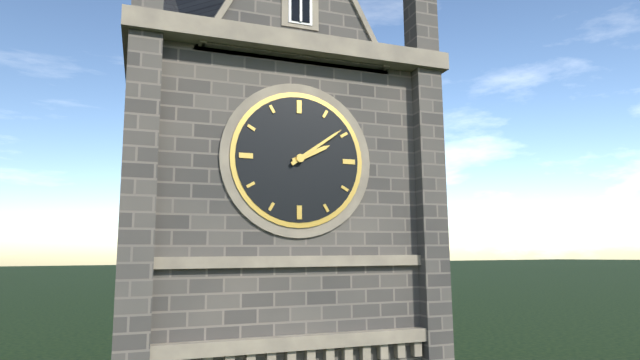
**2:09**
